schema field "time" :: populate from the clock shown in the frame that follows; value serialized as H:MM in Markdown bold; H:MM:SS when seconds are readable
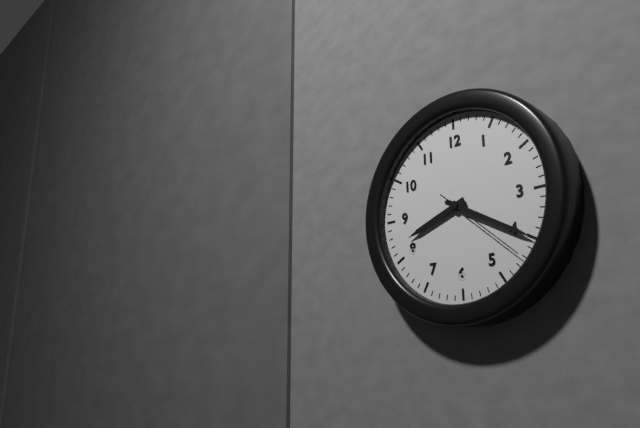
**8:20:22**
